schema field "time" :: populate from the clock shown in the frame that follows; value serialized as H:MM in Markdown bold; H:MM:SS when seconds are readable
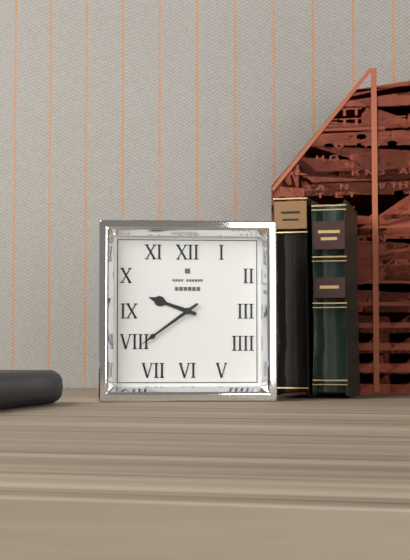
**9:39**
